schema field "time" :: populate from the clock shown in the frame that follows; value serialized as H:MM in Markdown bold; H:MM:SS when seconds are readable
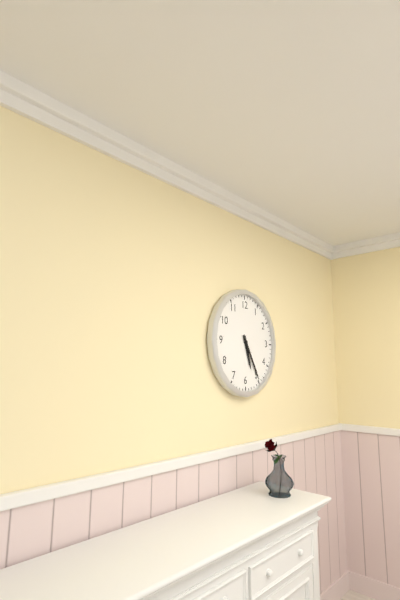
**5:25**
